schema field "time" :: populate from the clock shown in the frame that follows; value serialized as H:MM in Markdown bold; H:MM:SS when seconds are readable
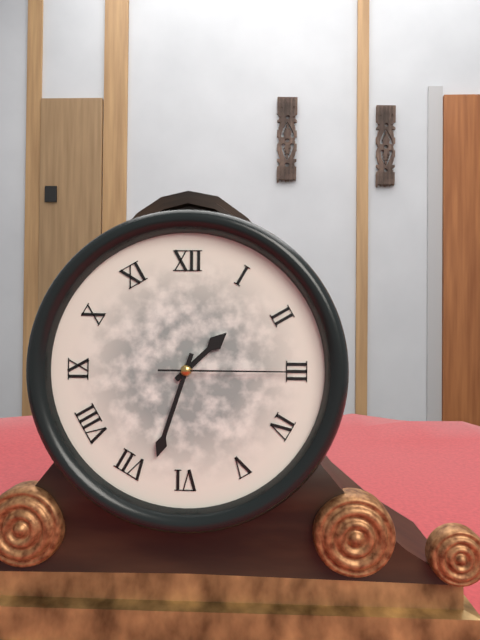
**1:33:15**
